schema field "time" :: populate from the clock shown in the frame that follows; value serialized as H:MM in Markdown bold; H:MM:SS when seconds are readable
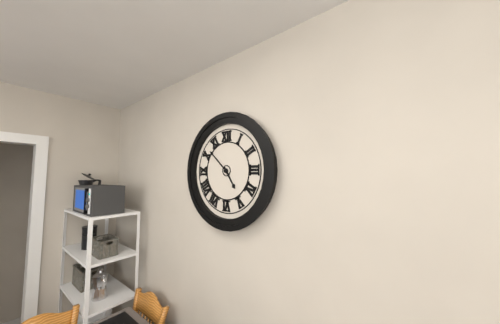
**4:52**
